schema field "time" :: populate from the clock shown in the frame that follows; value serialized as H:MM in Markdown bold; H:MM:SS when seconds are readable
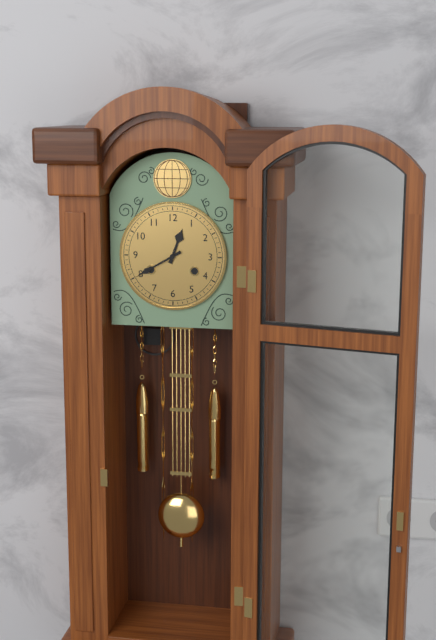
**12:40**
